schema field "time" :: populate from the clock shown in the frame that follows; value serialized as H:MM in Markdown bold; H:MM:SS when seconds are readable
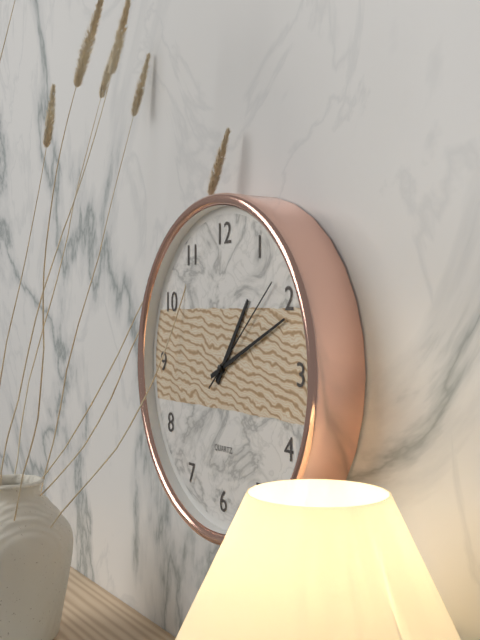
**1:11:08**
